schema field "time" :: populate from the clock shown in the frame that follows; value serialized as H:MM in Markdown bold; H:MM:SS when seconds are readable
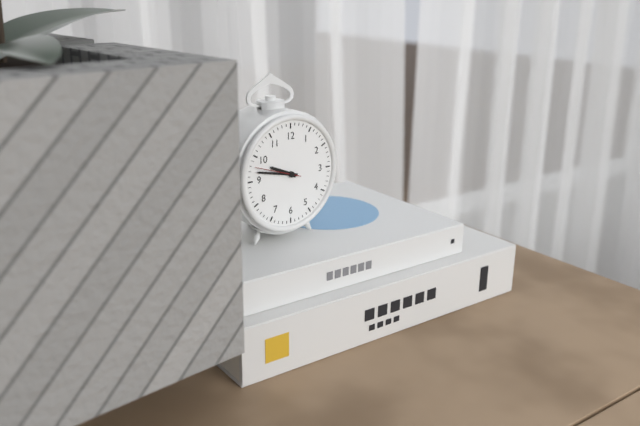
**9:47**
